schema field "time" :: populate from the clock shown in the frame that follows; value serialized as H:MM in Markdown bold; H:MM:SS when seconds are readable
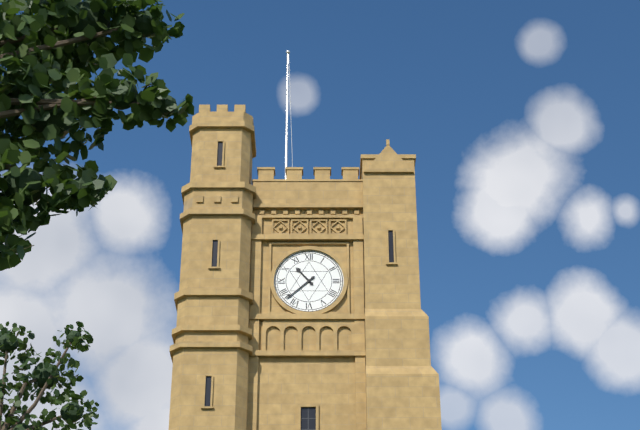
**10:38**
